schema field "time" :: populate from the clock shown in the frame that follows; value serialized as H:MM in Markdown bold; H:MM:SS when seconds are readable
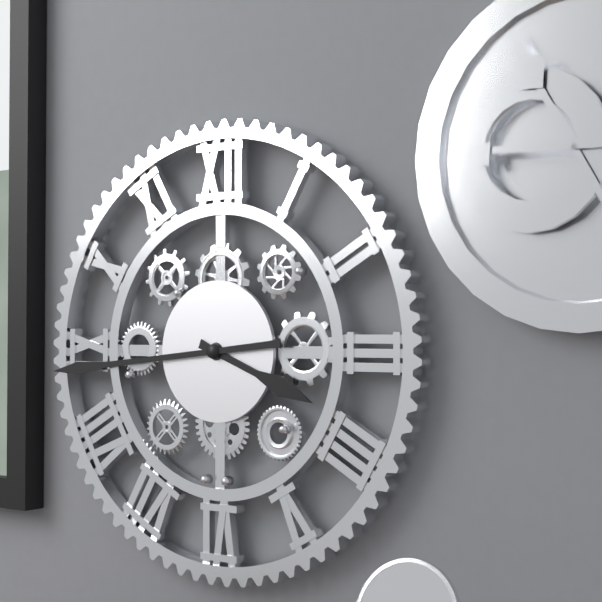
**3:44**
